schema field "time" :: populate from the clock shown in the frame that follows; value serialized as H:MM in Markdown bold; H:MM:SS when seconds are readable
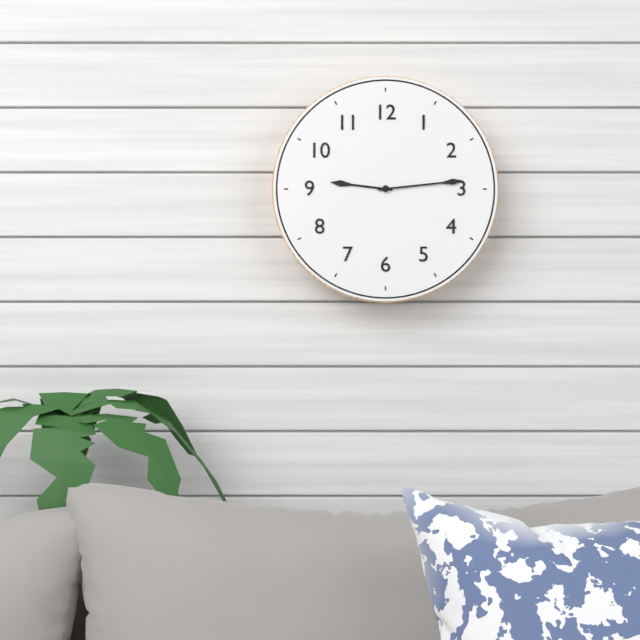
**9:14**
